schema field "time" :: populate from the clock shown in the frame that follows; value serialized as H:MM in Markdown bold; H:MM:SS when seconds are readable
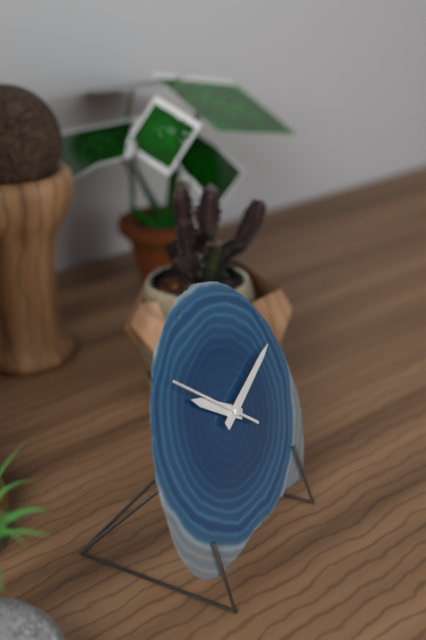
**10:12:52**
